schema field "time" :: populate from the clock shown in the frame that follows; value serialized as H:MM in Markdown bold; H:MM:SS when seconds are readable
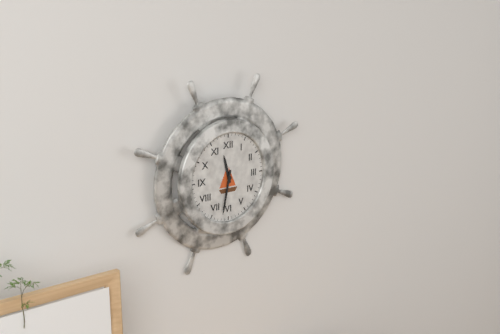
**11:32**
